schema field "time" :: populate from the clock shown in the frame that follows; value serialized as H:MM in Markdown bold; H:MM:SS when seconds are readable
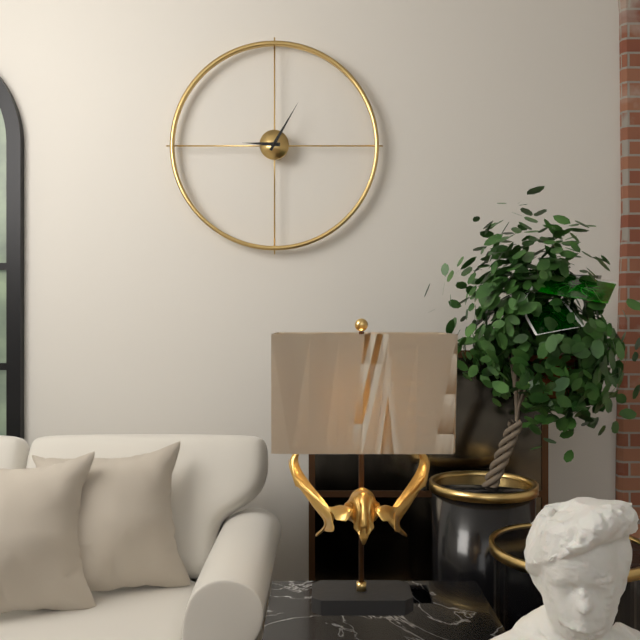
**9:05**
